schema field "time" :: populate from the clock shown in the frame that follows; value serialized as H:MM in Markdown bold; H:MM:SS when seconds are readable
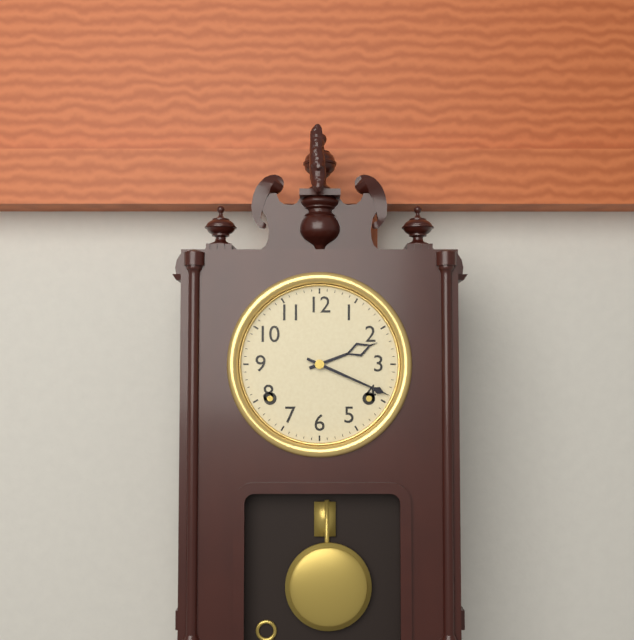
**2:19**
